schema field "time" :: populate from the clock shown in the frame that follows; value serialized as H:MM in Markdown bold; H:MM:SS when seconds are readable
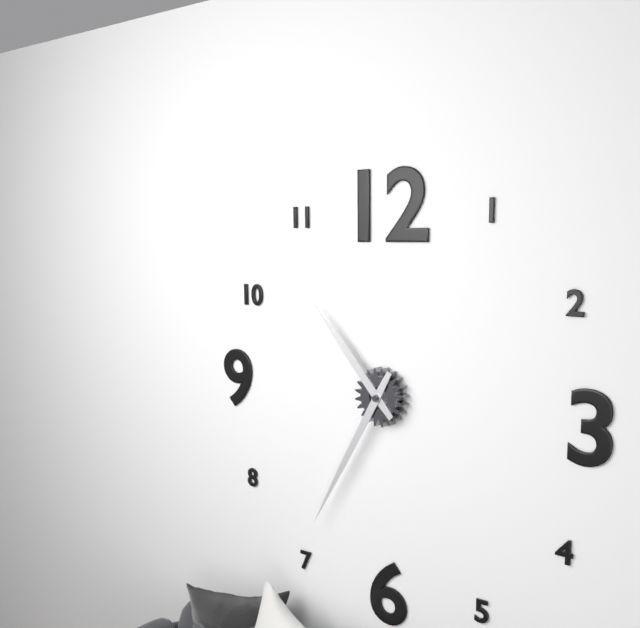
**10:35**
